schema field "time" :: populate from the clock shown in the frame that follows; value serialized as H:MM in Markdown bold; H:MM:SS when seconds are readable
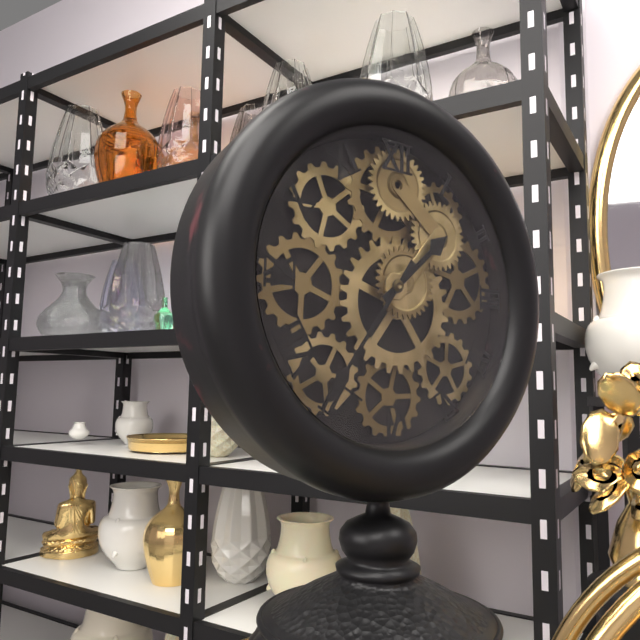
**1:36**
